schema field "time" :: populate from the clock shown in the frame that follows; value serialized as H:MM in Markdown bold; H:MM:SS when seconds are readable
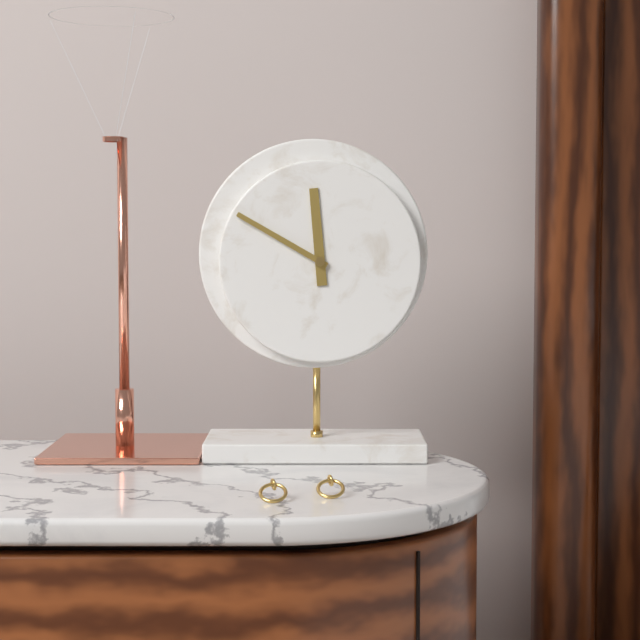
**11:50**
